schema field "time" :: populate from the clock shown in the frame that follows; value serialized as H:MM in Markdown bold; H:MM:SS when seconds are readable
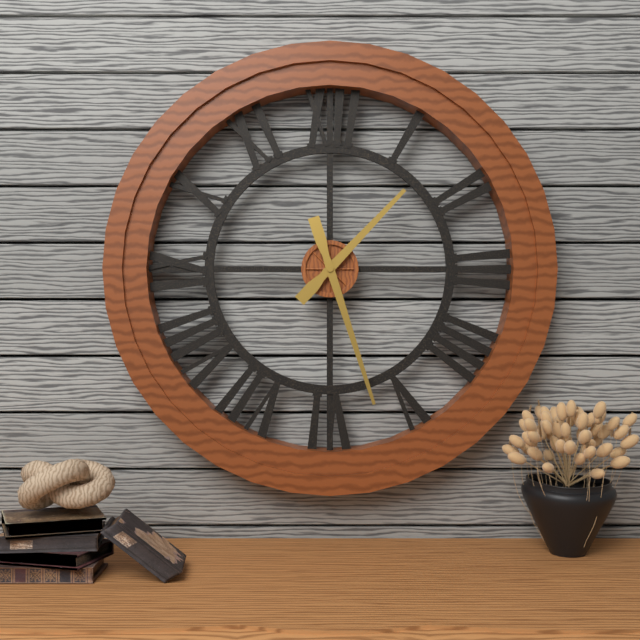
**1:27**
